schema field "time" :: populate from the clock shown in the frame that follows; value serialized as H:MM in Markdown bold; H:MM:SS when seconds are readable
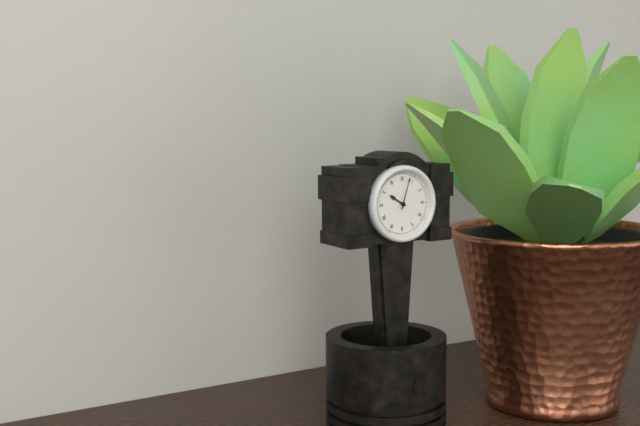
**10:03**
